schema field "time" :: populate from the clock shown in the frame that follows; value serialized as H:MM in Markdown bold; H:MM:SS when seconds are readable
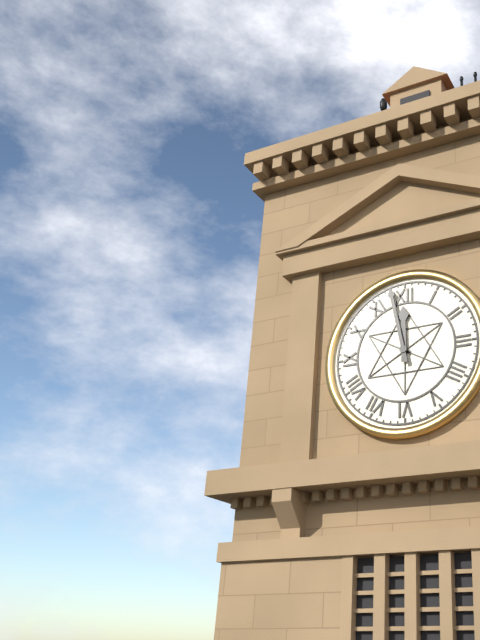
**11:58**
